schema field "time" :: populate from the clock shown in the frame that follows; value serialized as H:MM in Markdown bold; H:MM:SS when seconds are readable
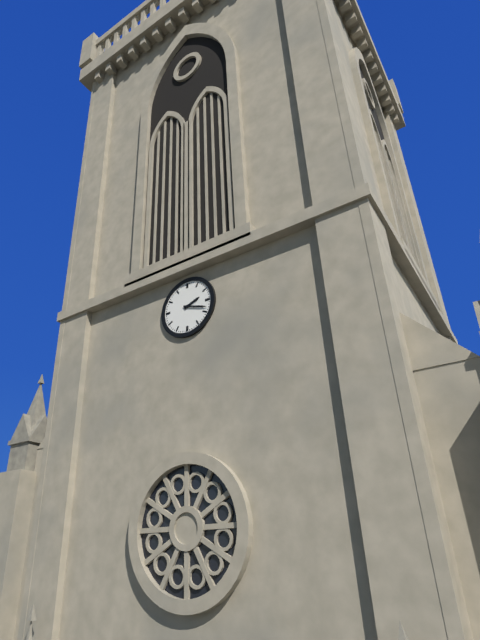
**2:18**
